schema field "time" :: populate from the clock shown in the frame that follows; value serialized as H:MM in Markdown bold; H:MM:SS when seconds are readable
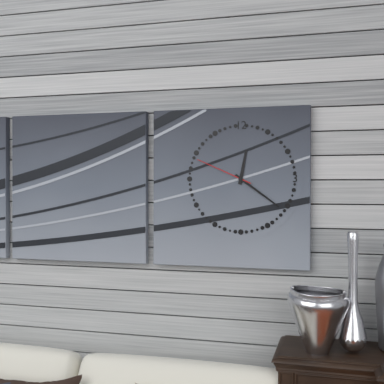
**12:21:49**
